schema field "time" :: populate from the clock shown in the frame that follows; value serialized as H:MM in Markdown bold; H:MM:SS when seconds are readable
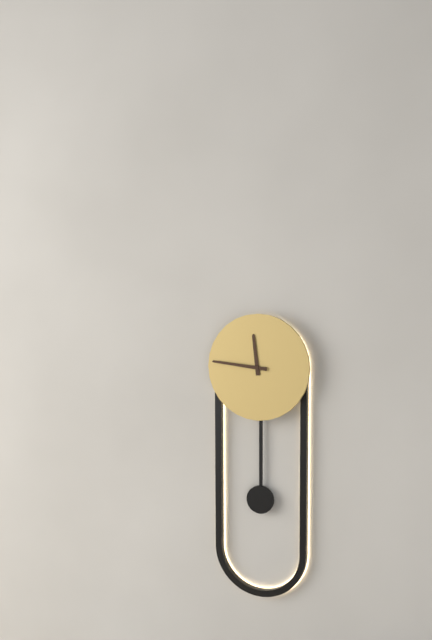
**11:46**
